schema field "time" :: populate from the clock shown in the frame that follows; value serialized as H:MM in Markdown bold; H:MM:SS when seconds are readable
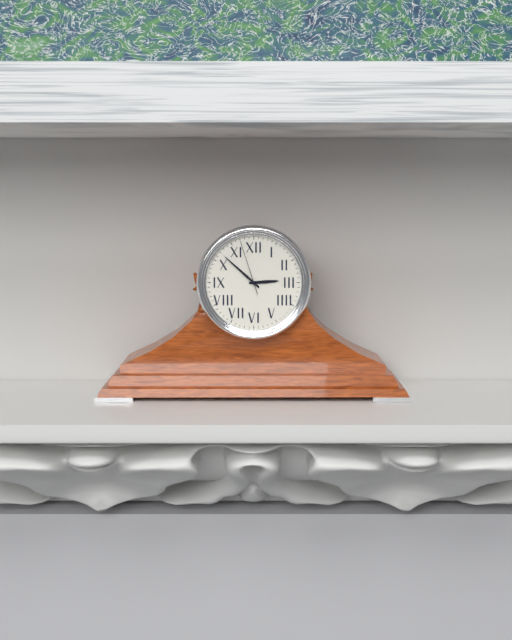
**2:52:57**
